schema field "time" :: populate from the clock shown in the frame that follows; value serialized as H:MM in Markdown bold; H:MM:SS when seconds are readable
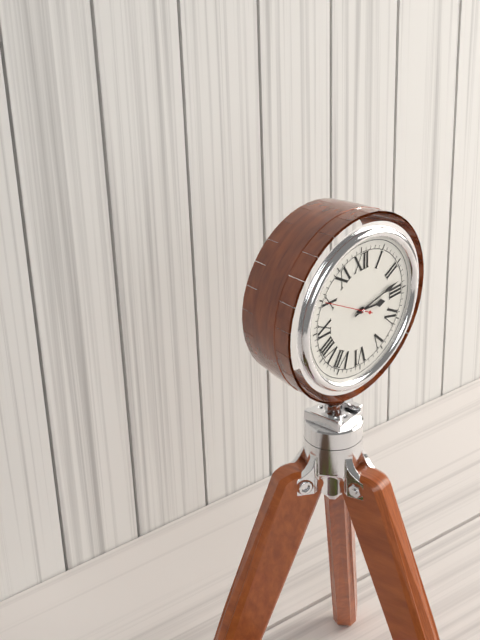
**3:13**
